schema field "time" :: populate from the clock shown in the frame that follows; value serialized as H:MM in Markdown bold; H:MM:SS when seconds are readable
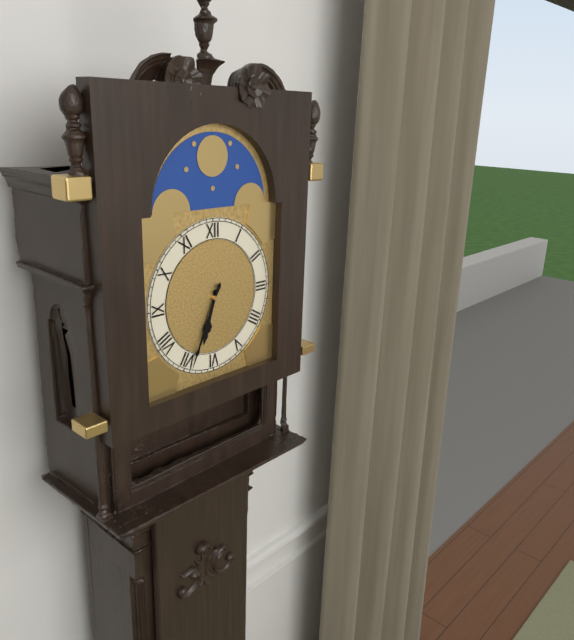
**6:34**
